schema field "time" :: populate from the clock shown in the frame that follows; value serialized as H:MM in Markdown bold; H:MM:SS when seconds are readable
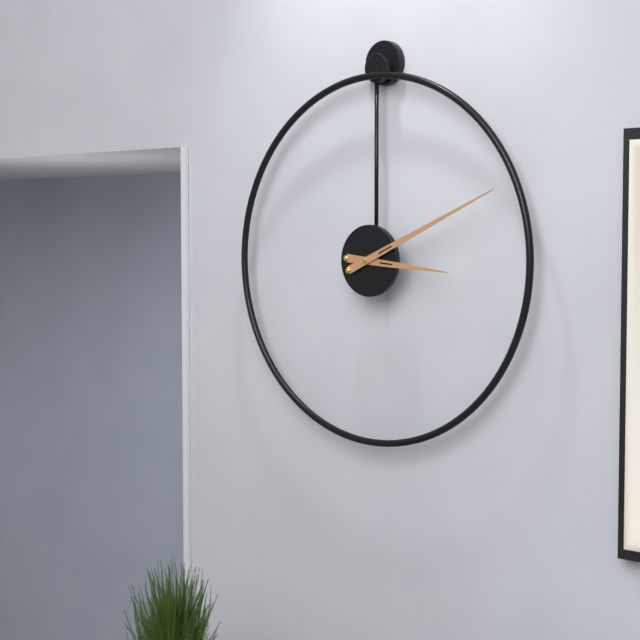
**3:11**
